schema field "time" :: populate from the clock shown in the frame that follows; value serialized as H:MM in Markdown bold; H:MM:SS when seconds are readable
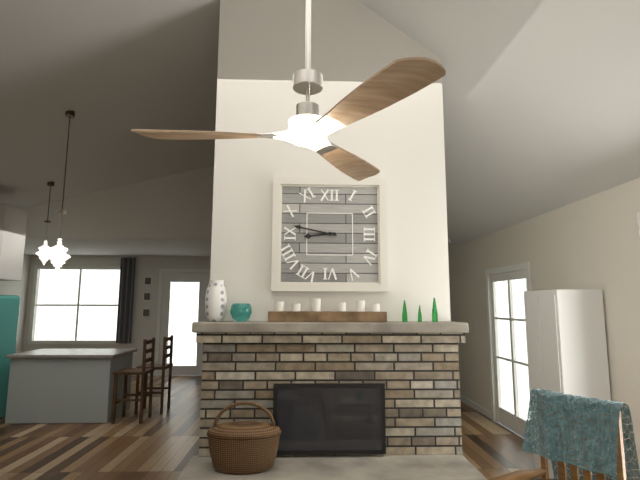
**8:47**
